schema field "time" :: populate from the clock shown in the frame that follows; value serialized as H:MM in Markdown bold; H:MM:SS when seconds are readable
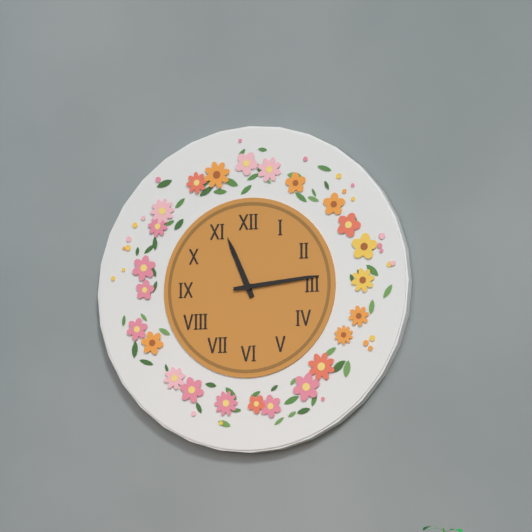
**11:14**
